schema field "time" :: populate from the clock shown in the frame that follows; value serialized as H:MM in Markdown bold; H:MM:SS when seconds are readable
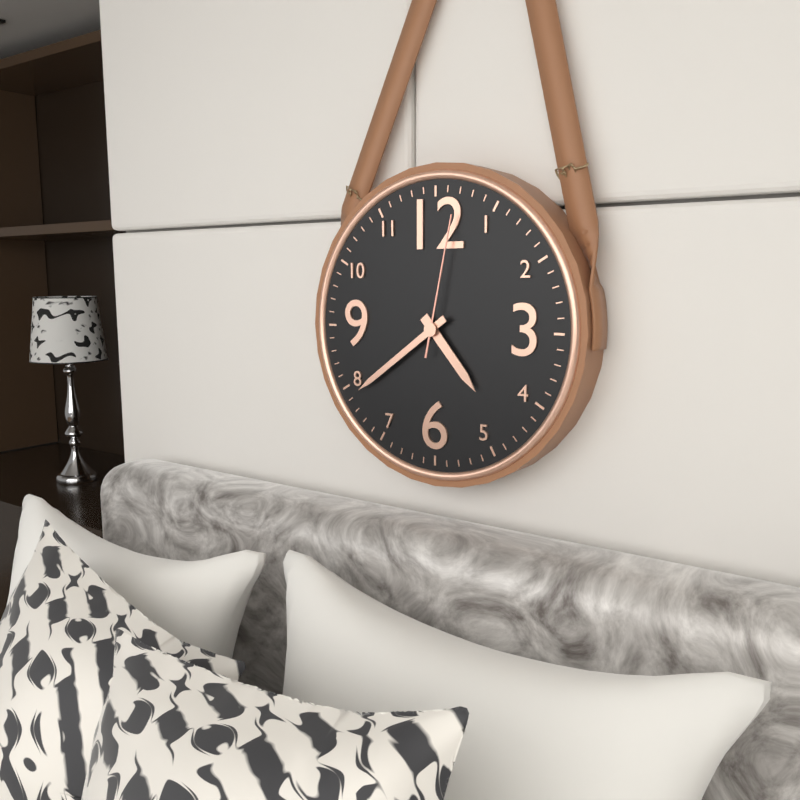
**4:39:02**
